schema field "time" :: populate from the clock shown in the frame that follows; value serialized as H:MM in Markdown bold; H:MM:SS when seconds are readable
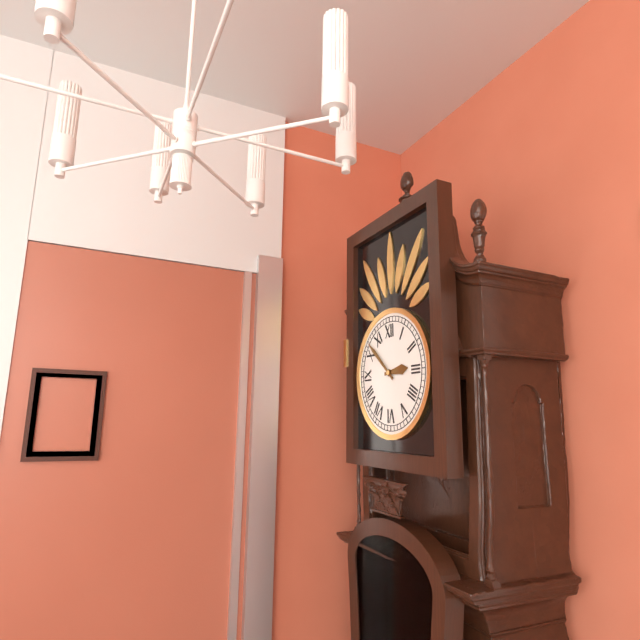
**2:52**
